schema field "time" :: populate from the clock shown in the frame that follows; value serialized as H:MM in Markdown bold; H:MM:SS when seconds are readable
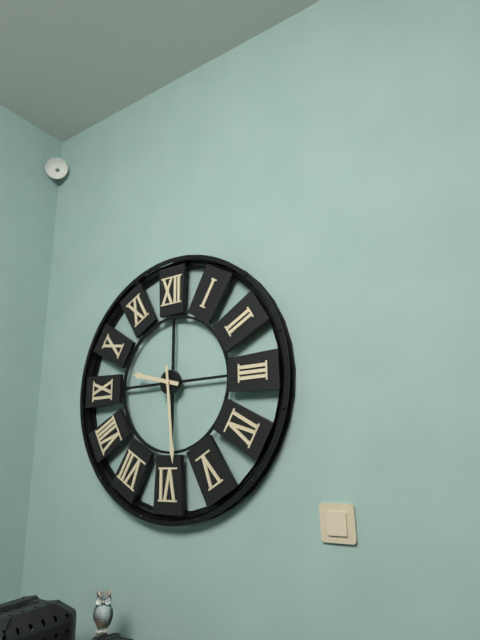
**9:29**
